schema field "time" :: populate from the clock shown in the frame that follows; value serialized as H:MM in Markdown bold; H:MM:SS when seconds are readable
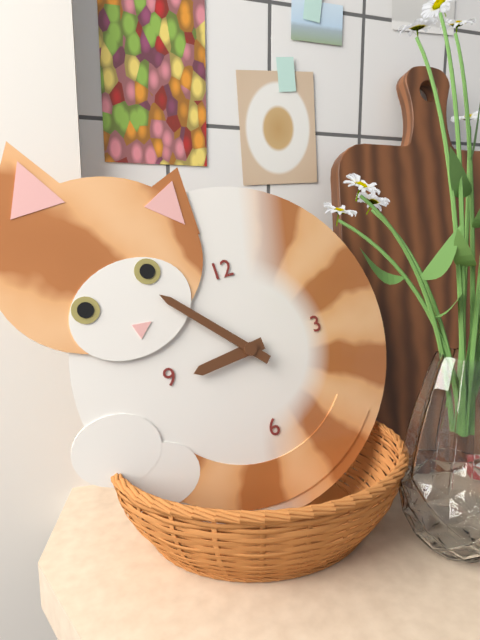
**8:53**
